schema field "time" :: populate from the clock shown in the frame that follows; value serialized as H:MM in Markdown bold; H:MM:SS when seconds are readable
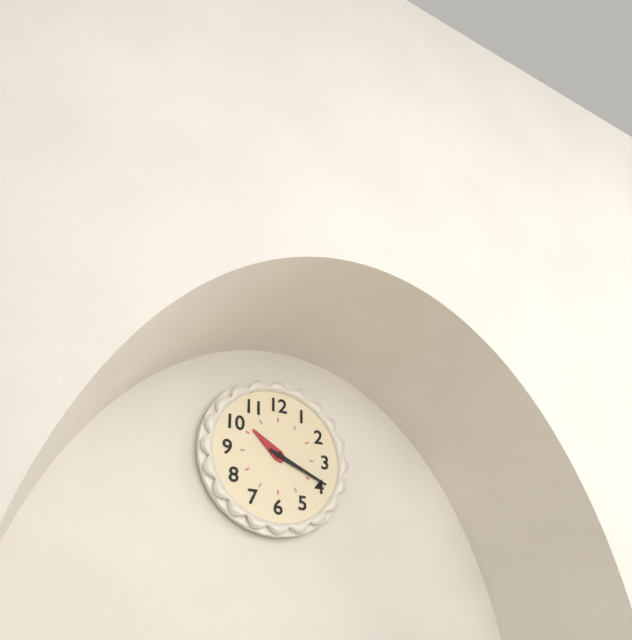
**10:19**
